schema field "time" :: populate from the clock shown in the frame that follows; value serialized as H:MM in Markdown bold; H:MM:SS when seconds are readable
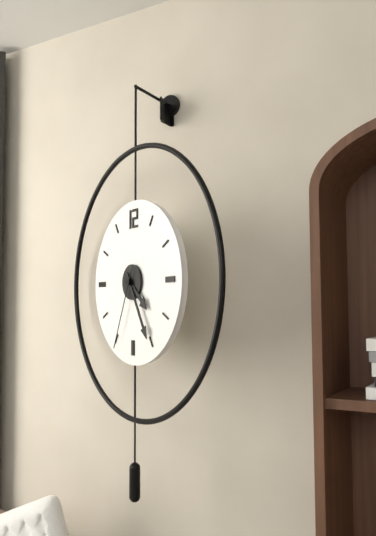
**4:25:34**
